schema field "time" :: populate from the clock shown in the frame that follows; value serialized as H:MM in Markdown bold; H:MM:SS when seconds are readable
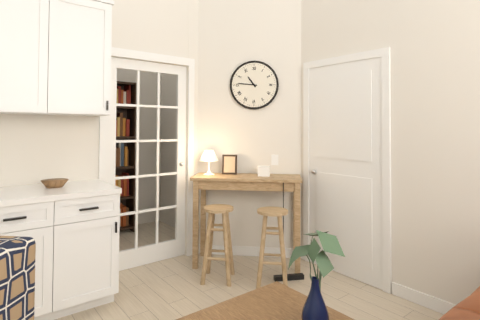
**10:46**
